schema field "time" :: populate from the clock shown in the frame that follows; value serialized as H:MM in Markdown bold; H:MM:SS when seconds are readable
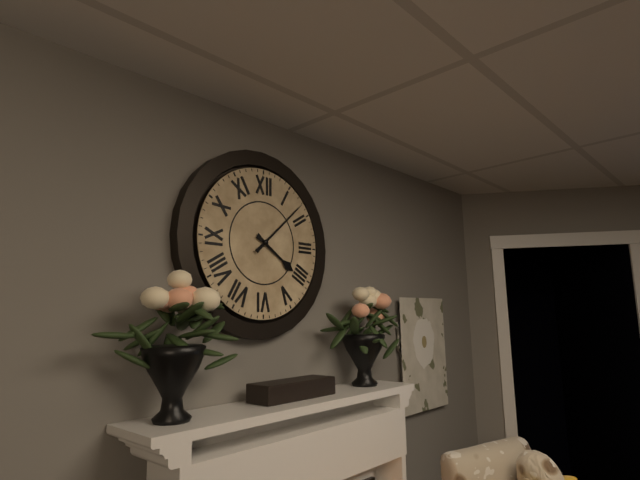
**4:08**
